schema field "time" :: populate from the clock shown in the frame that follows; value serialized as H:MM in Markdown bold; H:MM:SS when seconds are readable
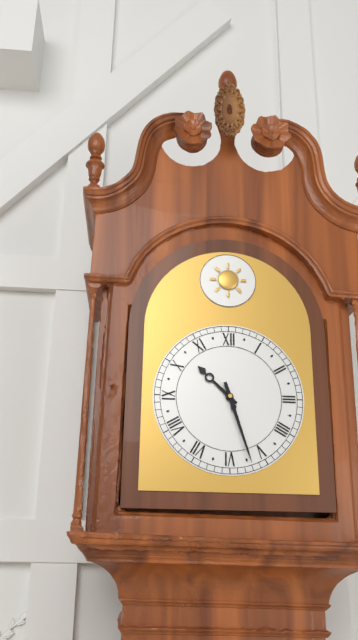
**10:27**
